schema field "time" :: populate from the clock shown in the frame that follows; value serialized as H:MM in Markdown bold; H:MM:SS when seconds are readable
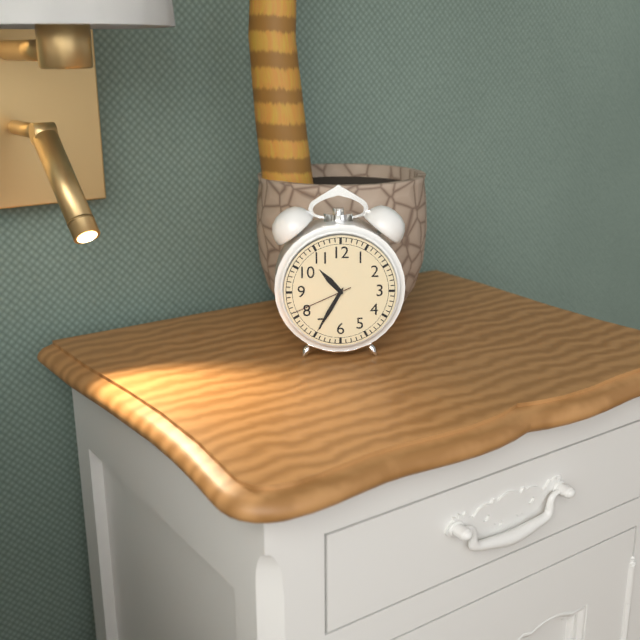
**10:35:41**
